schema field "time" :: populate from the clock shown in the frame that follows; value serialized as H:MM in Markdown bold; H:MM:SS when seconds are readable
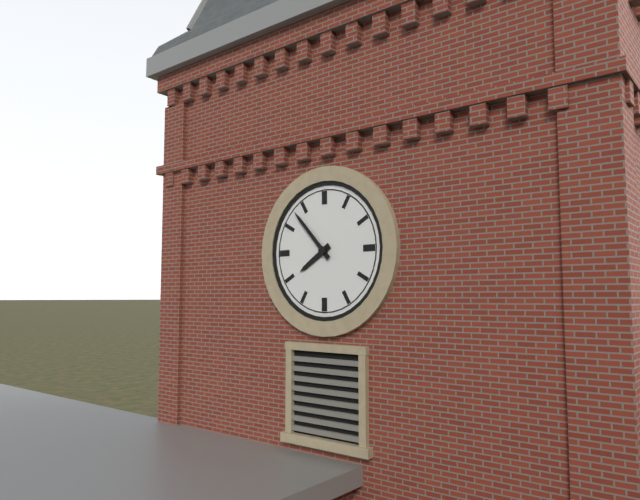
**7:53**
